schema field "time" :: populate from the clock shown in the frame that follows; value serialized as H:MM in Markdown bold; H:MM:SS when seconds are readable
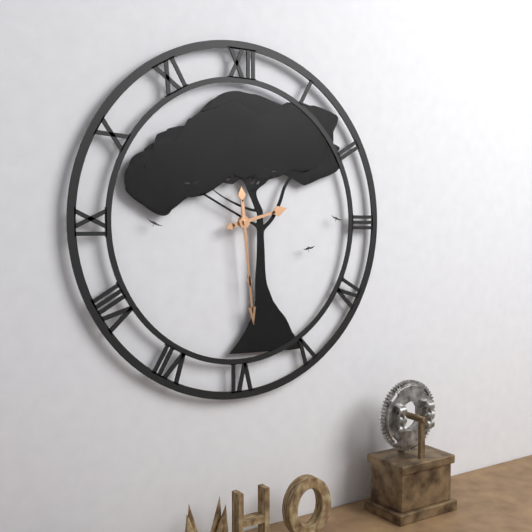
**2:29**
